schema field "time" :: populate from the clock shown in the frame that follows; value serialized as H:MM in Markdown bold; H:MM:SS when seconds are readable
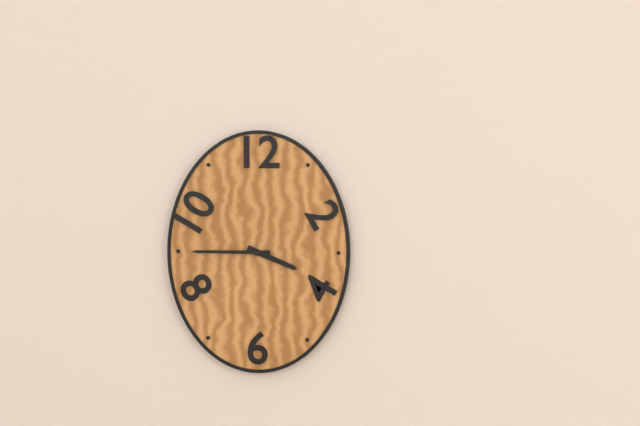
**3:45**
